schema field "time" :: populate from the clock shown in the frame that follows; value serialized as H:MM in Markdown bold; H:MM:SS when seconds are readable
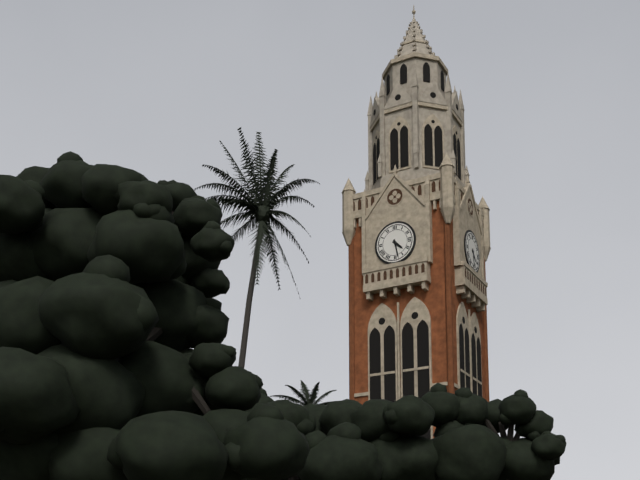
**4:28**
